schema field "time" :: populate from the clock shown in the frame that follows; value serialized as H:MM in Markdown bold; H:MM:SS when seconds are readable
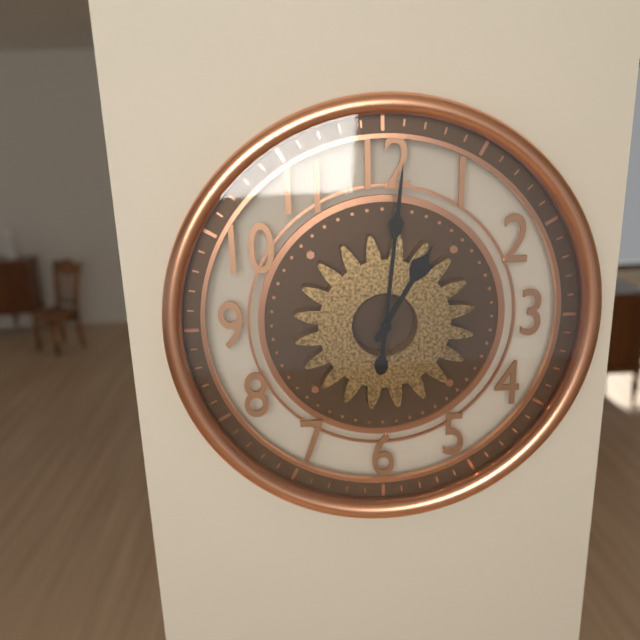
**1:01**
